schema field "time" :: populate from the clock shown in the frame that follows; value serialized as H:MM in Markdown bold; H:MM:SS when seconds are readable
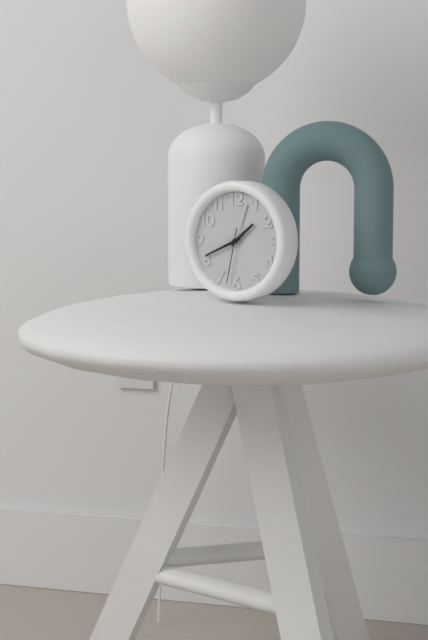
**1:41:32**
